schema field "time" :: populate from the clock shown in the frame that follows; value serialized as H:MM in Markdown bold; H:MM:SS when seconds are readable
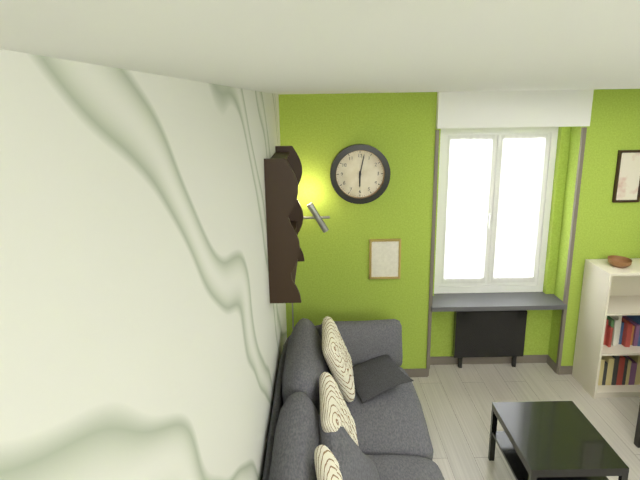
**6:02**
